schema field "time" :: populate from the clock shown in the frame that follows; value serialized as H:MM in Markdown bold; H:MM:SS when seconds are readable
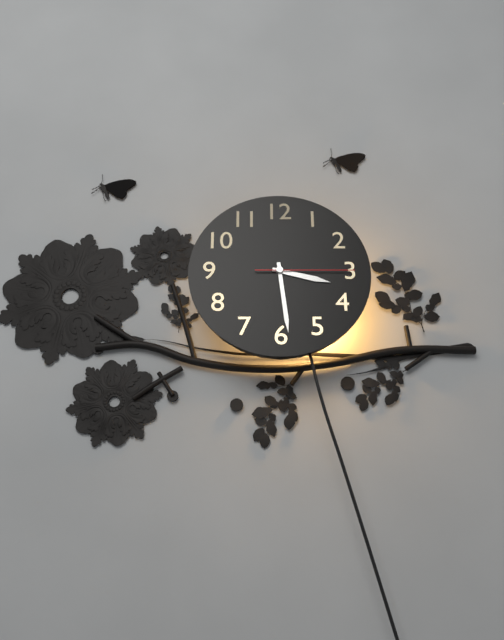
**3:29:15**
